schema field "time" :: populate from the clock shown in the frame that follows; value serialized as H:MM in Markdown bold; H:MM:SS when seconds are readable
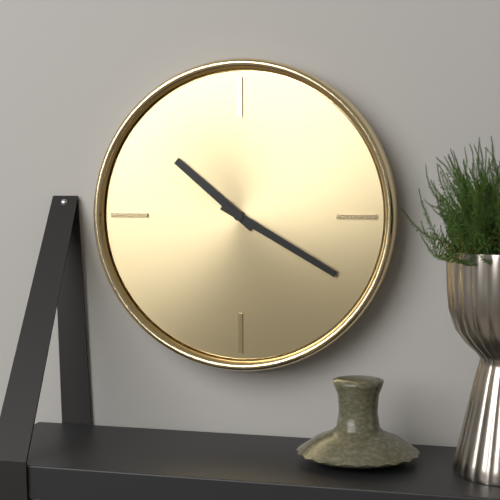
**10:20**
